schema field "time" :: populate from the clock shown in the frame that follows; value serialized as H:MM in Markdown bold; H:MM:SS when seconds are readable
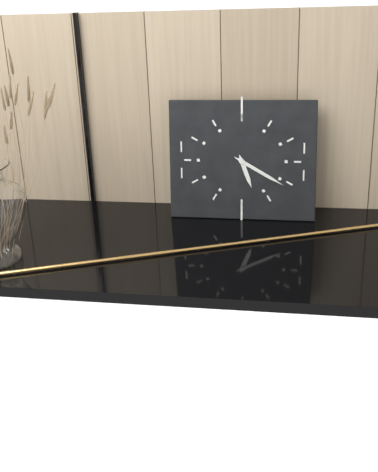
**5:20**
